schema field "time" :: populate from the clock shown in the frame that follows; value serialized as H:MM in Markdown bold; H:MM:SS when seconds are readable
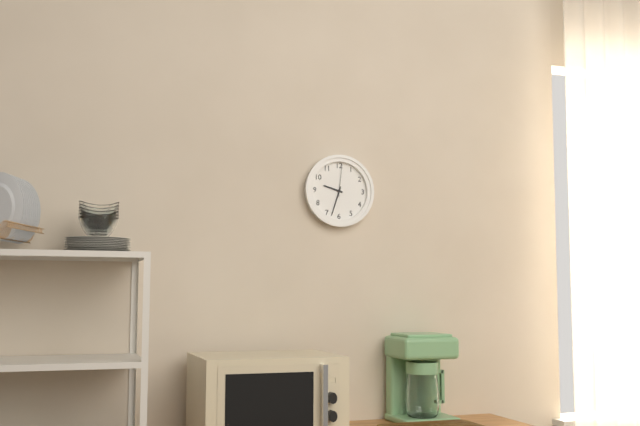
**9:33**
